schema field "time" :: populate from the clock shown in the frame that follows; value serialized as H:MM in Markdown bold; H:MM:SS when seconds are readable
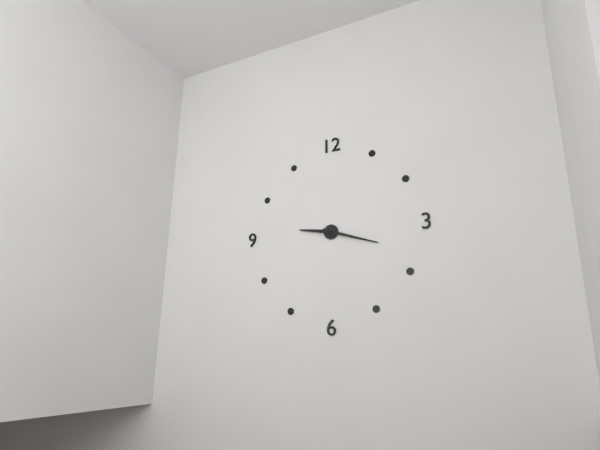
**9:18**
